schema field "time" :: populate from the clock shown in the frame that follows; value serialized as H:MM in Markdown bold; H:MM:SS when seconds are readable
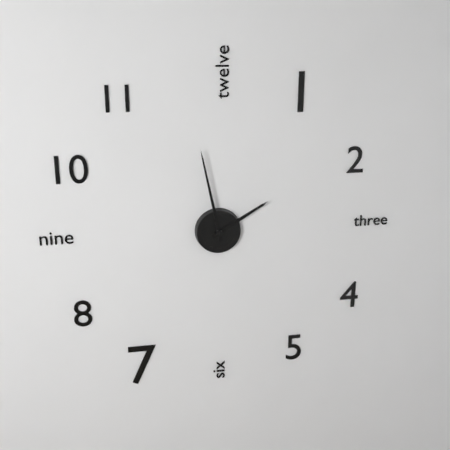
**1:58**
